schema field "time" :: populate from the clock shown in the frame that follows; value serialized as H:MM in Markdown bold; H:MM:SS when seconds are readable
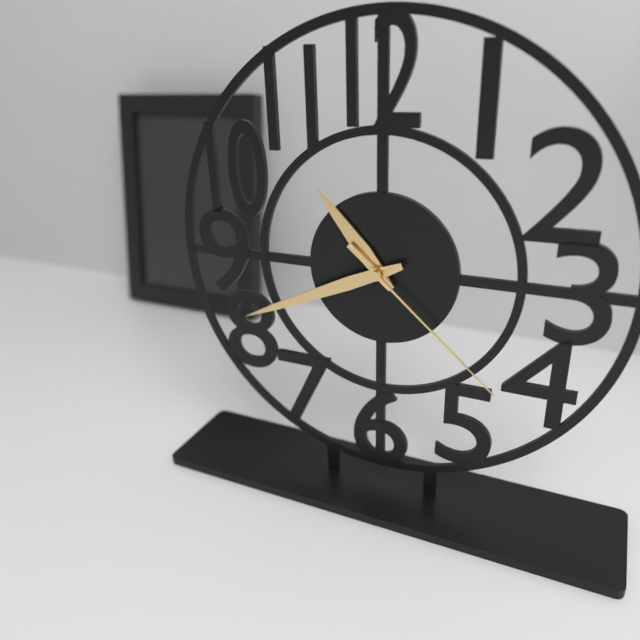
**10:41:22**
